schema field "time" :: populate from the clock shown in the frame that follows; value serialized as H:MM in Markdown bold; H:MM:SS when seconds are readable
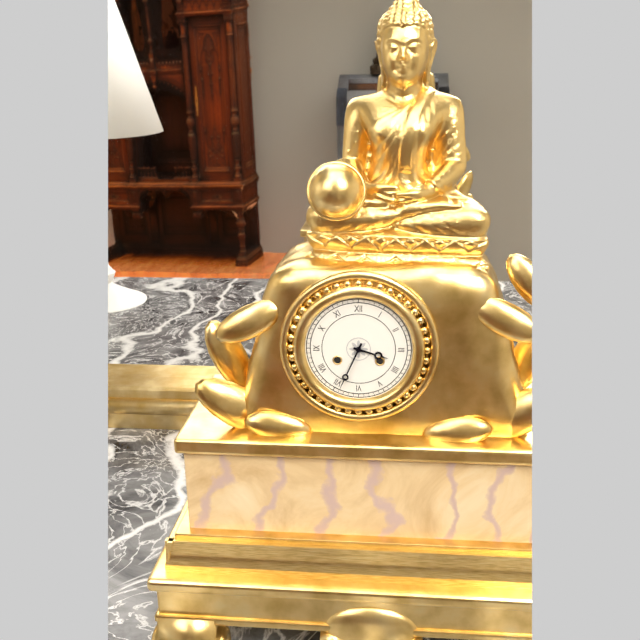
**3:34**
